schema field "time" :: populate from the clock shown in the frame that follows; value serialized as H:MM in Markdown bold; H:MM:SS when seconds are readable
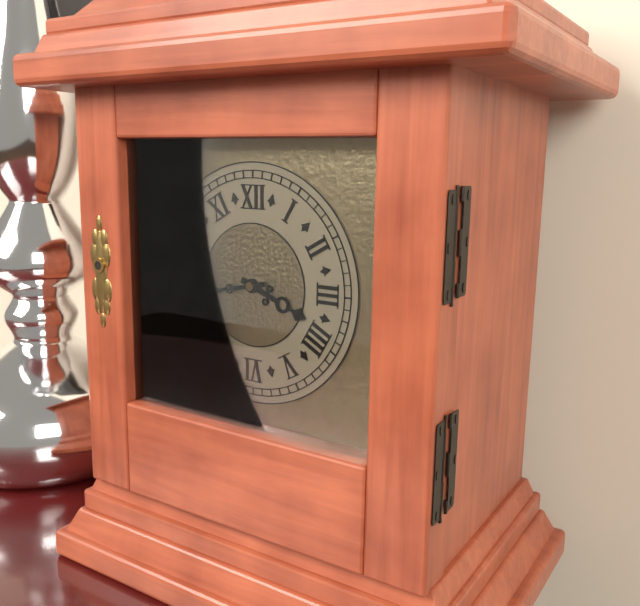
**3:43**
